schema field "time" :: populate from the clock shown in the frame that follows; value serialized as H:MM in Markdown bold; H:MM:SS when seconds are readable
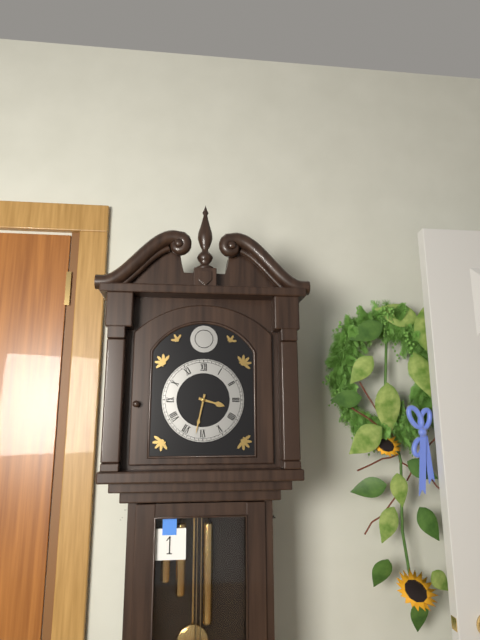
**3:32**
